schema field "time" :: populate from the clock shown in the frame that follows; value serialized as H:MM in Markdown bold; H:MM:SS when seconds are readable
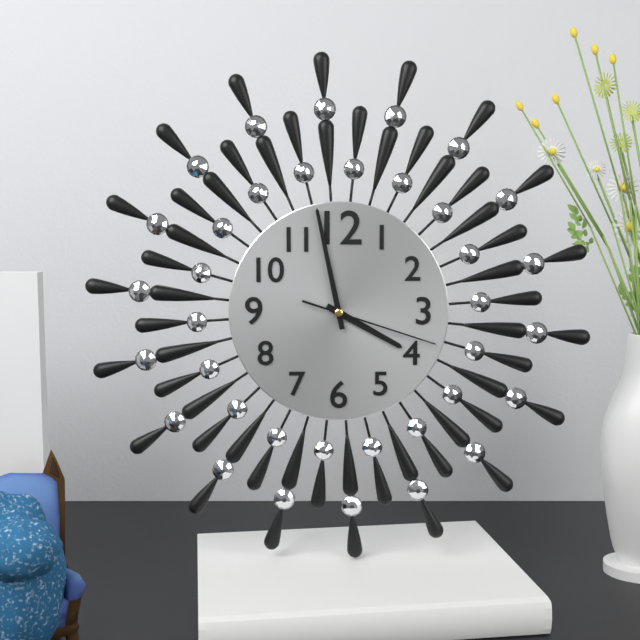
**3:58:18**
